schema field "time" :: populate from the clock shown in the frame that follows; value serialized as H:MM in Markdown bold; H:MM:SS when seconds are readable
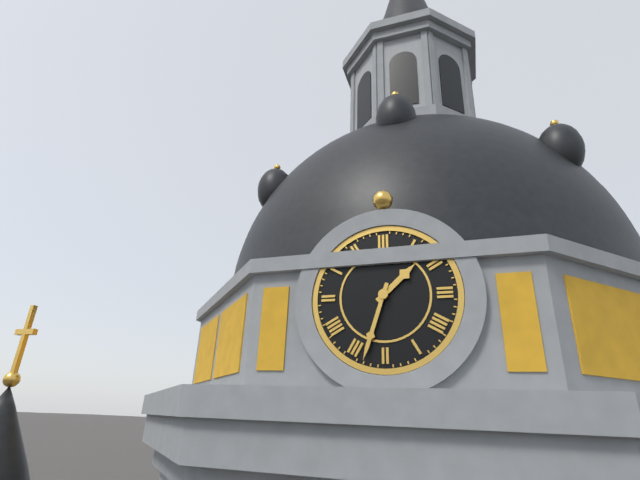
**1:33**
